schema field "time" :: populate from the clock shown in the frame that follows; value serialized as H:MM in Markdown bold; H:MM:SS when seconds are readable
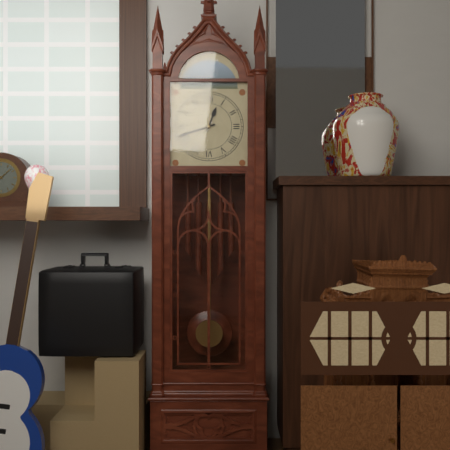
**12:42**
